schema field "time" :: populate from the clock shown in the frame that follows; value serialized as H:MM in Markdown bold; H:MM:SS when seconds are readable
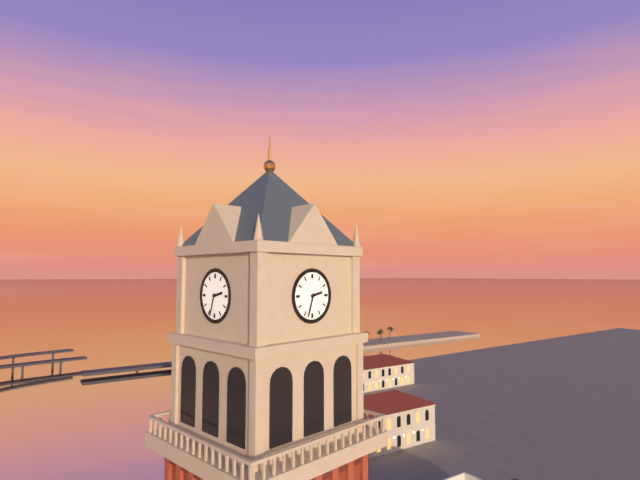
**2:33**
